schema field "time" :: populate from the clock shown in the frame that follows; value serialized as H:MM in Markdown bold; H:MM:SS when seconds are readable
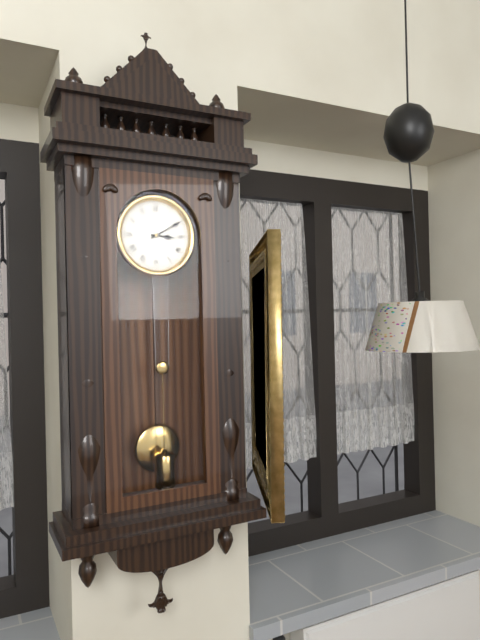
**3:10**
